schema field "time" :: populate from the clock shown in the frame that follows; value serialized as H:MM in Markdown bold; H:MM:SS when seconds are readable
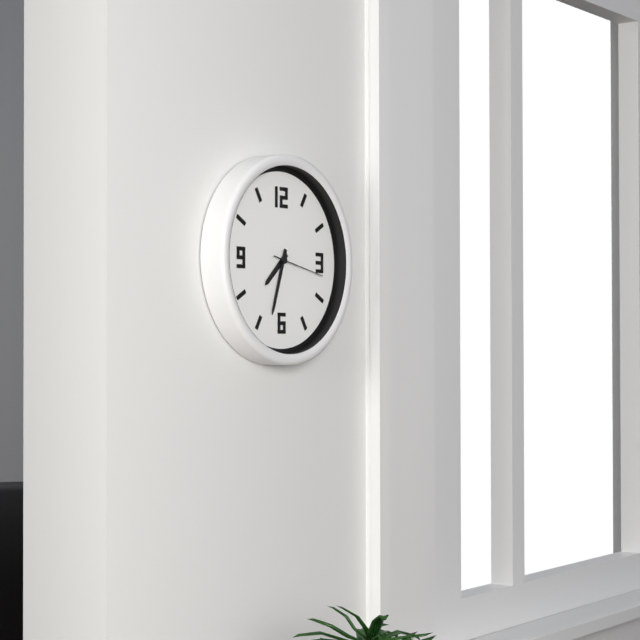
**7:33:17**
